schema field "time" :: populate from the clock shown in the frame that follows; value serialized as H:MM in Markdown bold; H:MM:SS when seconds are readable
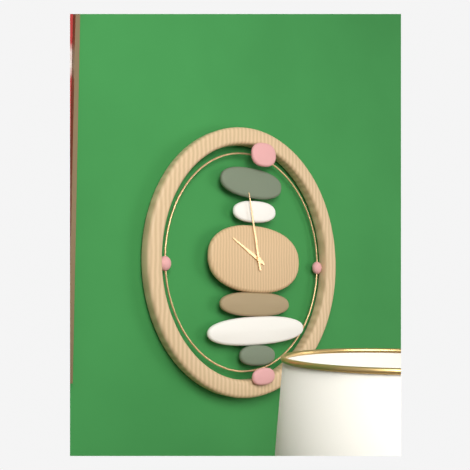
**9:58**
